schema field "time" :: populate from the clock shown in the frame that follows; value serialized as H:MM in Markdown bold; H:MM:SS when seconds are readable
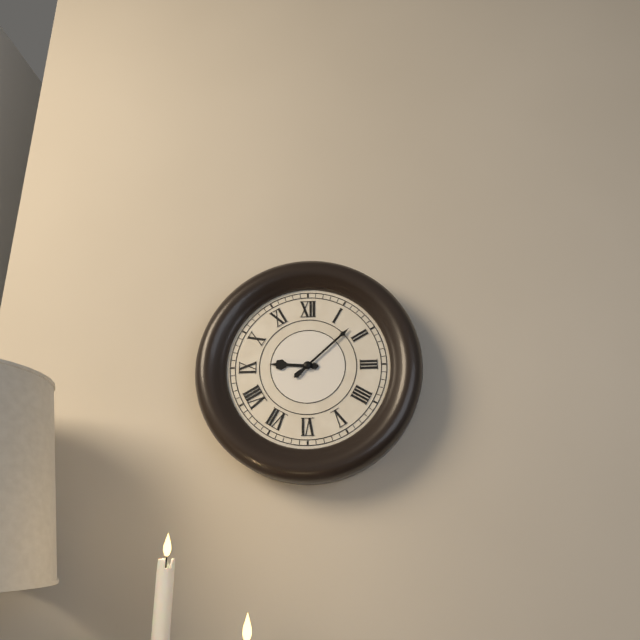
**9:08**
